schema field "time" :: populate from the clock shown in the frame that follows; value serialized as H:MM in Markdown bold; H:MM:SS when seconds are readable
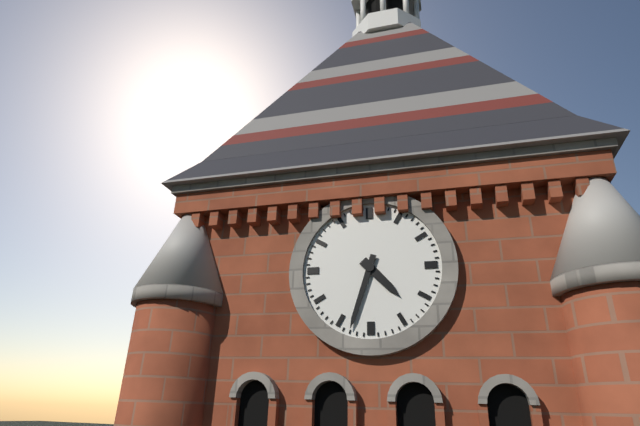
**4:33**
